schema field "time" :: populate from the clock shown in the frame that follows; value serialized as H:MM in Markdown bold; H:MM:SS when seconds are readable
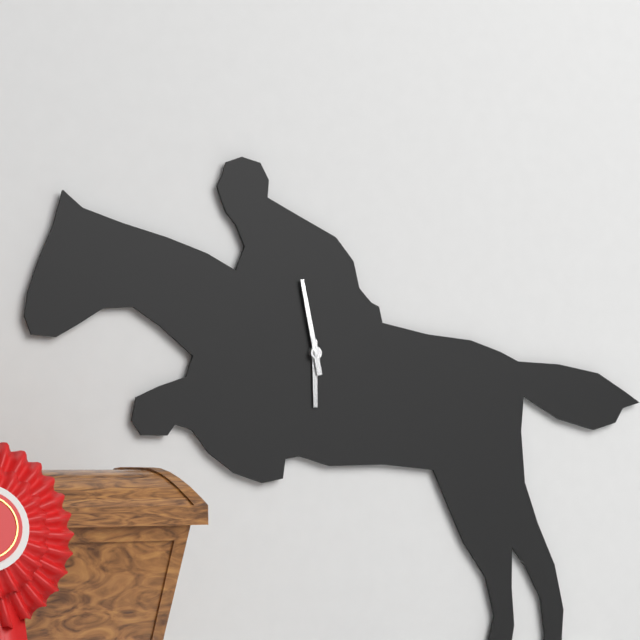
**5:58**
